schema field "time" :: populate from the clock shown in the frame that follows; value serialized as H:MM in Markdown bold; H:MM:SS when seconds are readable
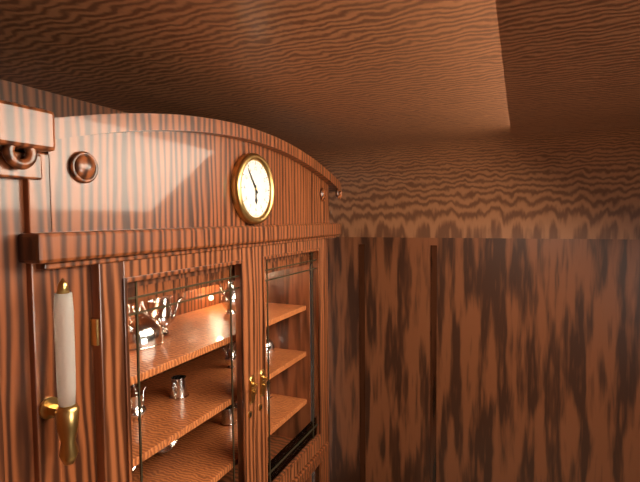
**5:54**
